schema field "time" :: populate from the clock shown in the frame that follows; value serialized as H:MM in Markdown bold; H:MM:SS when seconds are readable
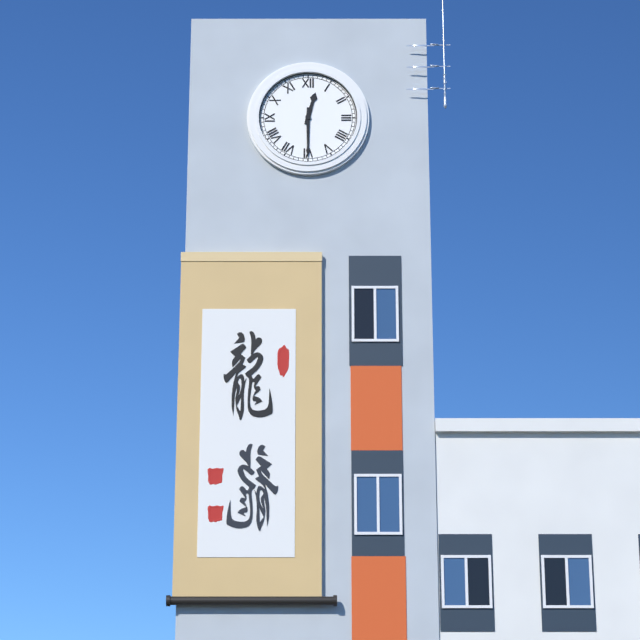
**12:30**
